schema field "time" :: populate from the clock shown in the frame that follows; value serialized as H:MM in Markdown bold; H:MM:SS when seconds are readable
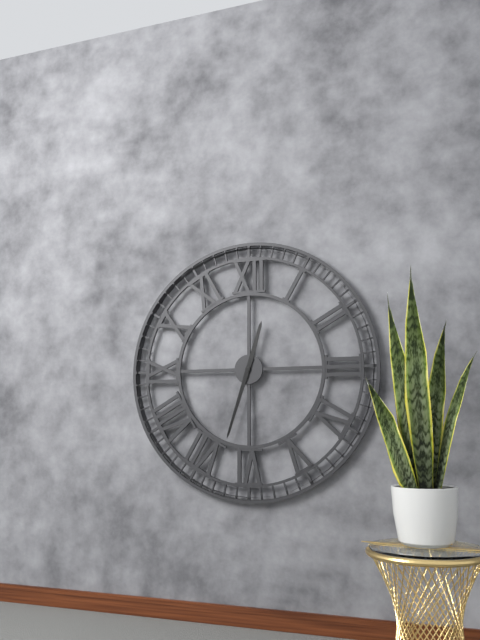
**12:33**
